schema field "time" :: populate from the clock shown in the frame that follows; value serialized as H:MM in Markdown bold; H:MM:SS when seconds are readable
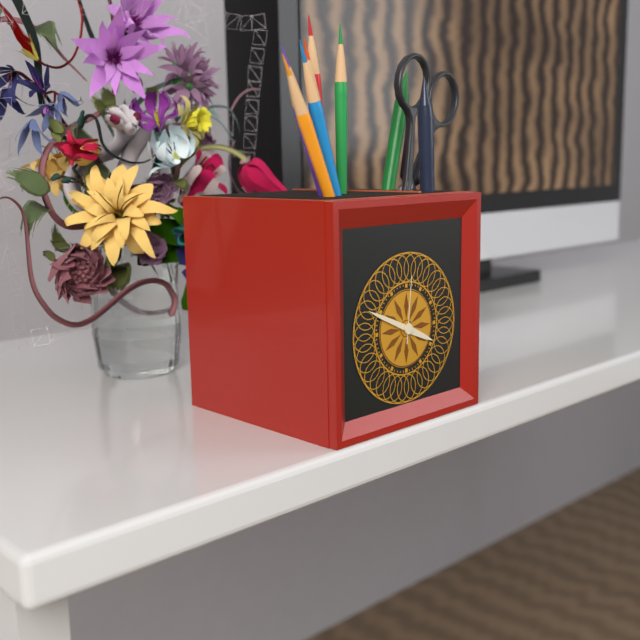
**3:49:01**
